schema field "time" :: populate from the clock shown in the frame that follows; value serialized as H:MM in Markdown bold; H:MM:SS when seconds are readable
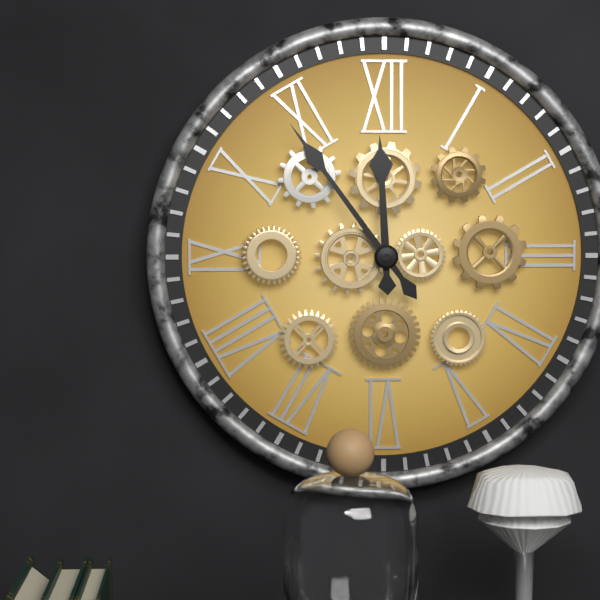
**11:54**
